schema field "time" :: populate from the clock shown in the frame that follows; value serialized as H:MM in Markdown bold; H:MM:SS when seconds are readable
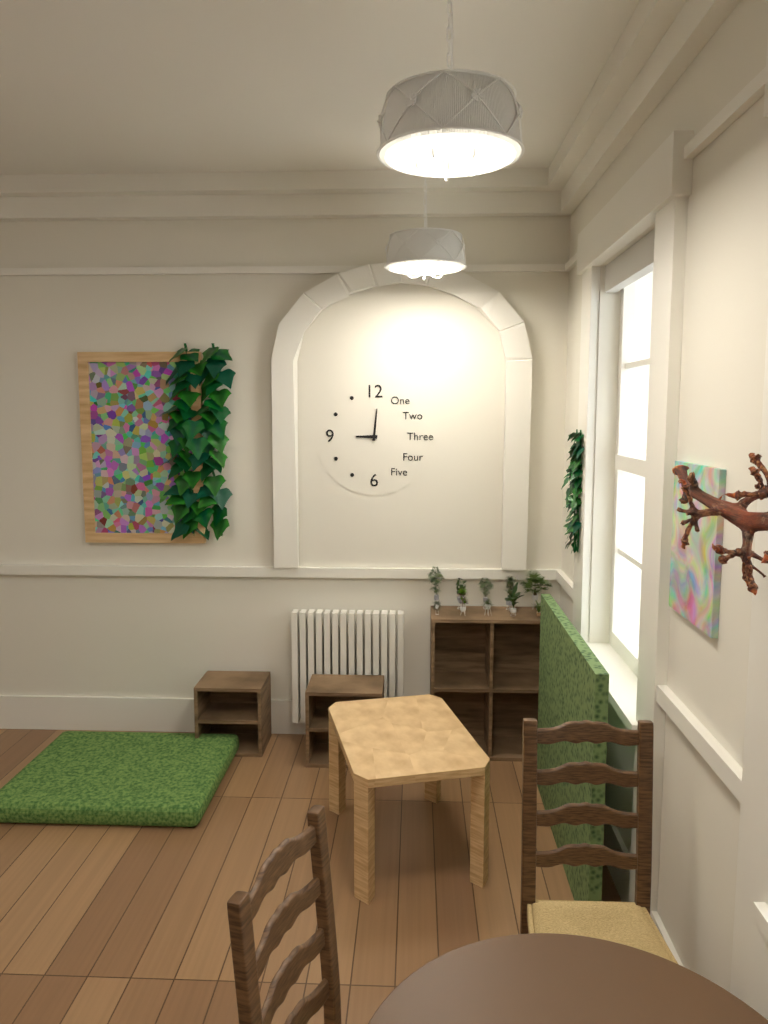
**9:01**
